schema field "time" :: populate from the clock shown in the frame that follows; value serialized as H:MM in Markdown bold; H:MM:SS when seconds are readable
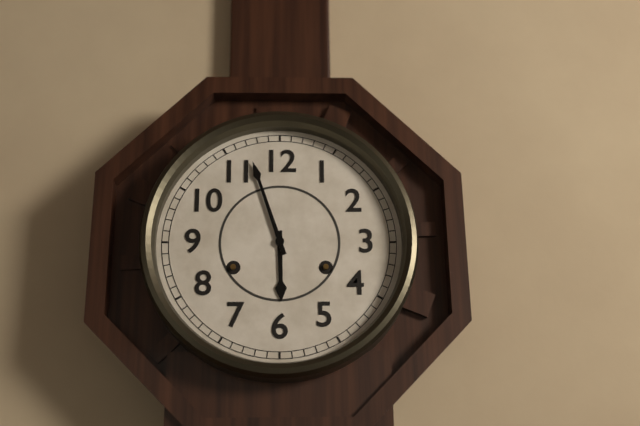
**5:57**
